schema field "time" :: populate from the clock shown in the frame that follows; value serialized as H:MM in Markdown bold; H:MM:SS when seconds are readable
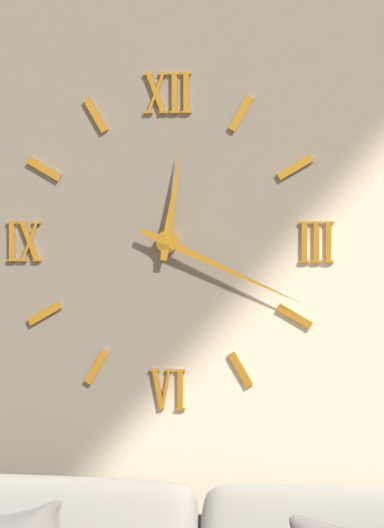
**12:19**
